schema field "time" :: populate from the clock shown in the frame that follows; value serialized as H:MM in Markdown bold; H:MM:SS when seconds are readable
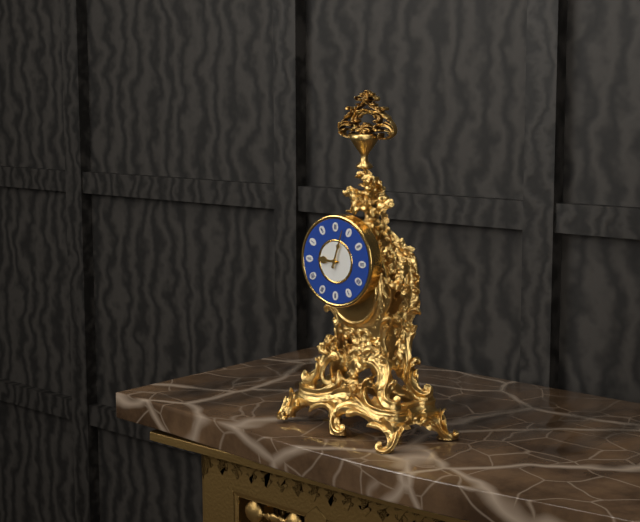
**9:03**
